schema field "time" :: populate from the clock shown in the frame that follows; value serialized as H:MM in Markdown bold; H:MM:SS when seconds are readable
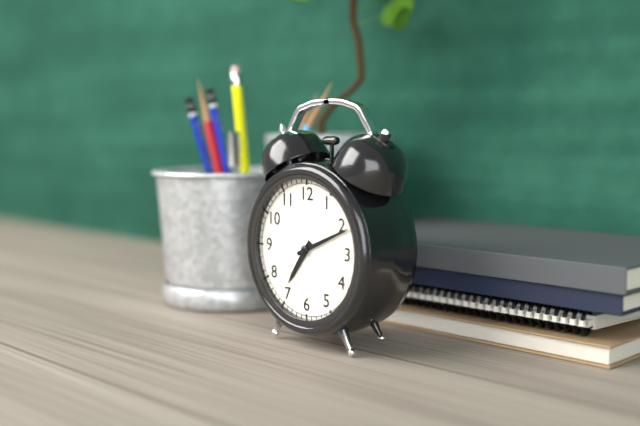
**7:11**
